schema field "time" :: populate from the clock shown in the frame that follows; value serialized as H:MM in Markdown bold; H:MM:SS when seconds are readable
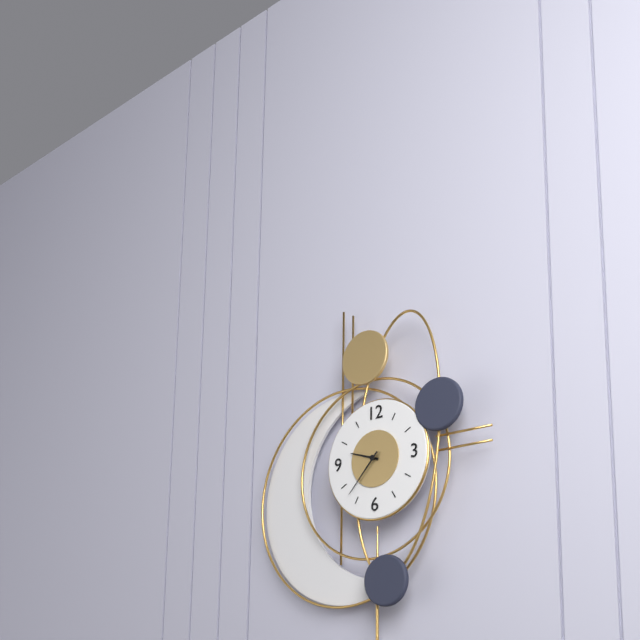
**9:37**
